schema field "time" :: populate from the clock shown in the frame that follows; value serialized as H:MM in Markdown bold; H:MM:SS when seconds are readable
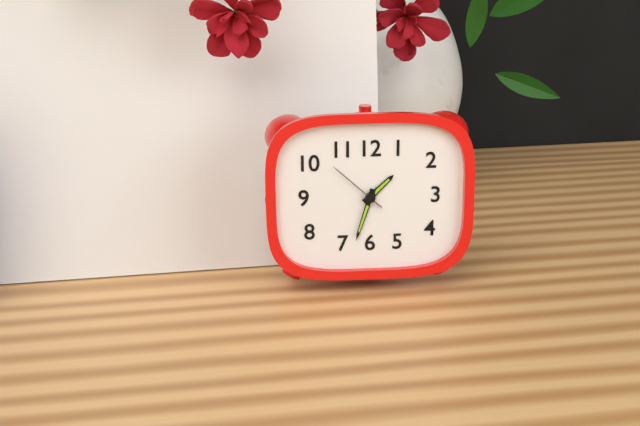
**1:33:52**
